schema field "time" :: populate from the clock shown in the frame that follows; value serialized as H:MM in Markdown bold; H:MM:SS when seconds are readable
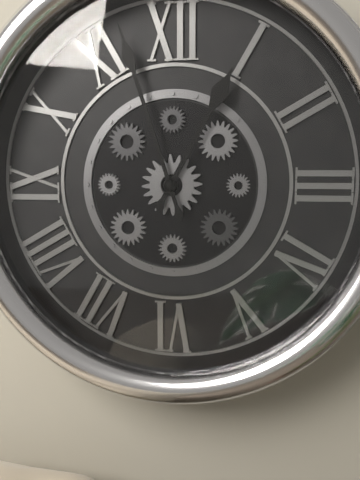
**12:57**
